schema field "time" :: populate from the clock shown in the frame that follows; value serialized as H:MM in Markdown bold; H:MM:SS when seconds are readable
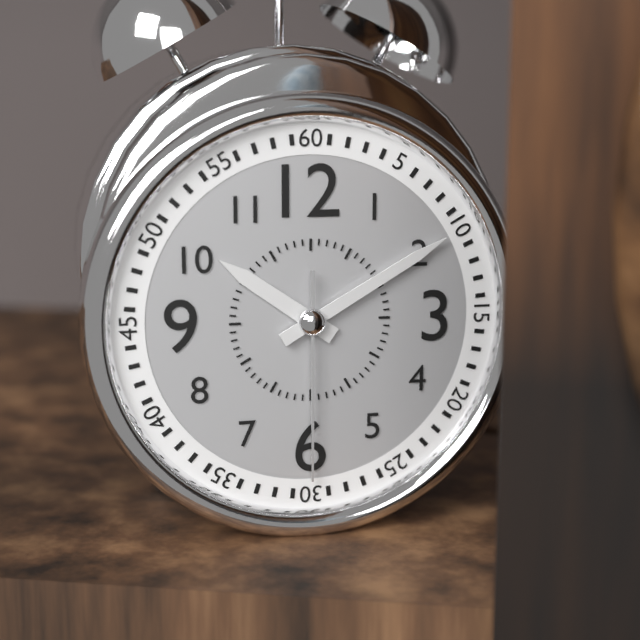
**10:10:30**
